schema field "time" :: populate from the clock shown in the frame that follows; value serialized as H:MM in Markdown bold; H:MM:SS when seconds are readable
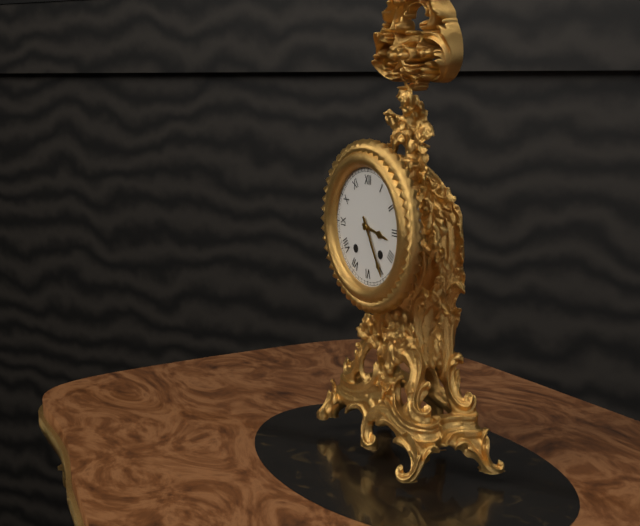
**3:25**
